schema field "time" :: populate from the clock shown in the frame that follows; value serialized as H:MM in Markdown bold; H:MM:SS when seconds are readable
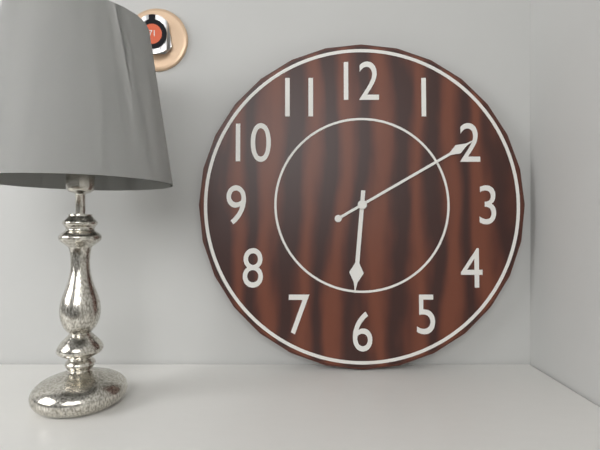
**6:10**
